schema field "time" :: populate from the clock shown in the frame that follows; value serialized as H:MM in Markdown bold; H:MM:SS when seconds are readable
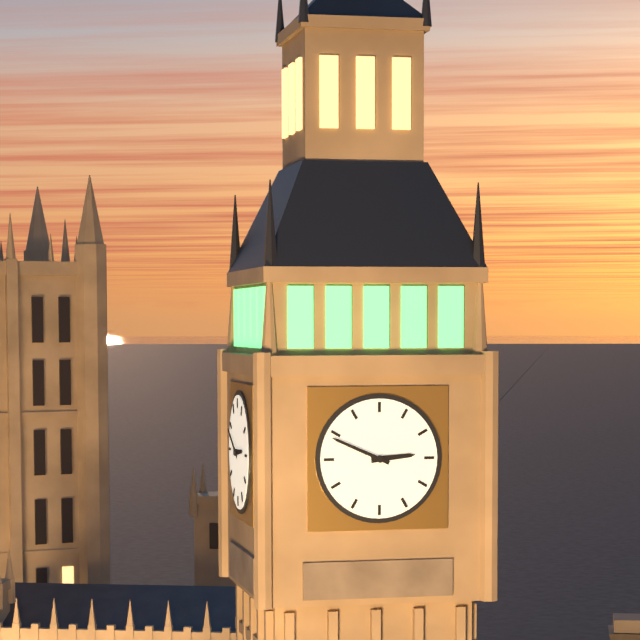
**2:49**
